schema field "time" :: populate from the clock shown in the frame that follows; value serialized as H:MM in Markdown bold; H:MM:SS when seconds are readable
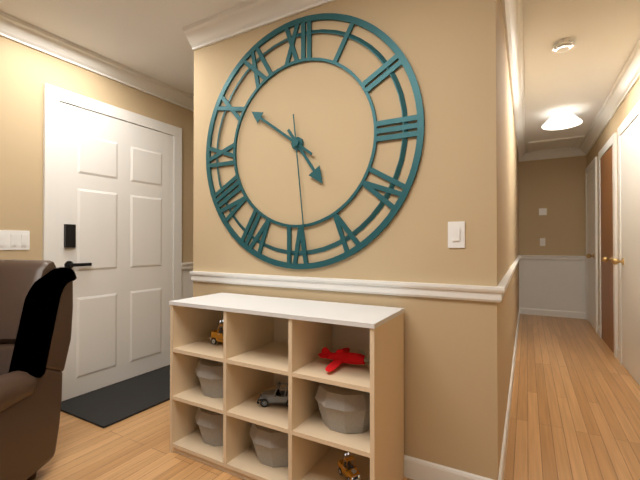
**4:51:29**
